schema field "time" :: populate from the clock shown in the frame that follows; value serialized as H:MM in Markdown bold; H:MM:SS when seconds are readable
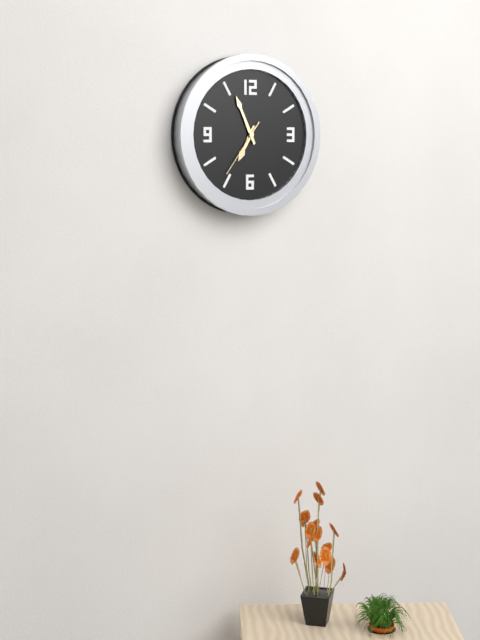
**6:56:36**
